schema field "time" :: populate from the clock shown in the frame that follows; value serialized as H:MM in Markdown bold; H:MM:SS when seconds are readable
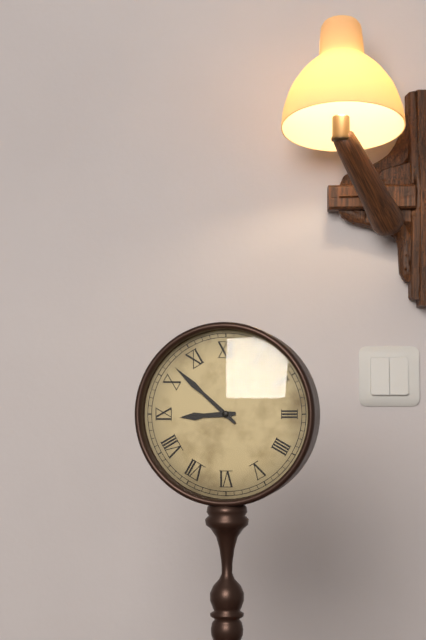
**8:52**
